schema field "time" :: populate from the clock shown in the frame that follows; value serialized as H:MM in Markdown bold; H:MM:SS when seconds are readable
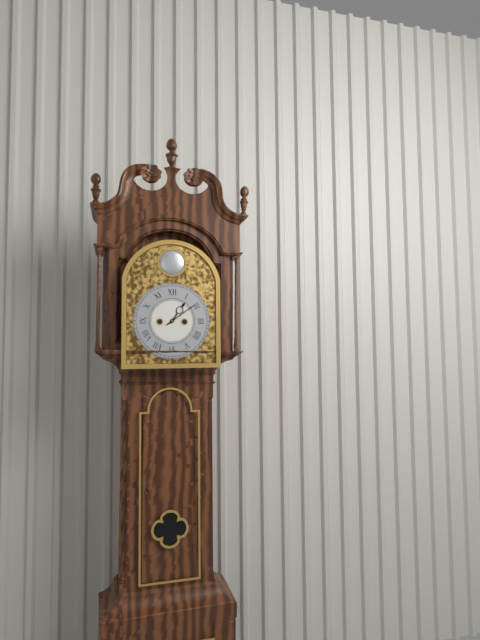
**1:09**
